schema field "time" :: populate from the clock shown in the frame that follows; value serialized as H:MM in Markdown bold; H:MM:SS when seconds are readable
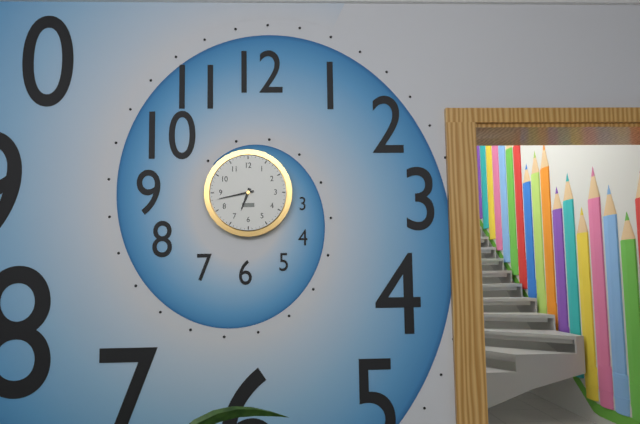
**6:43**
